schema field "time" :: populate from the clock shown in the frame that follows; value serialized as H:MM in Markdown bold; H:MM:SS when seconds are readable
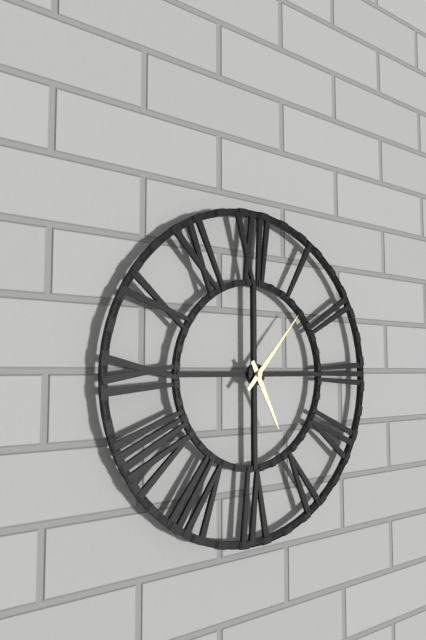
**5:07**
